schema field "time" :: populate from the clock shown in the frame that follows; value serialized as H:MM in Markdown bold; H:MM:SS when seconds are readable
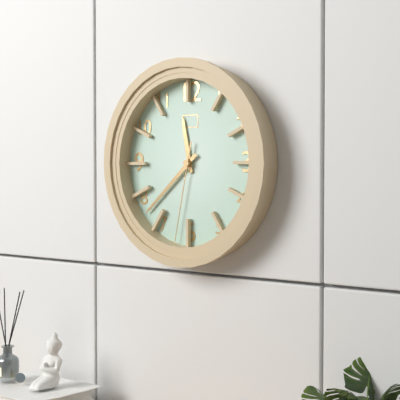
**11:38:32**
